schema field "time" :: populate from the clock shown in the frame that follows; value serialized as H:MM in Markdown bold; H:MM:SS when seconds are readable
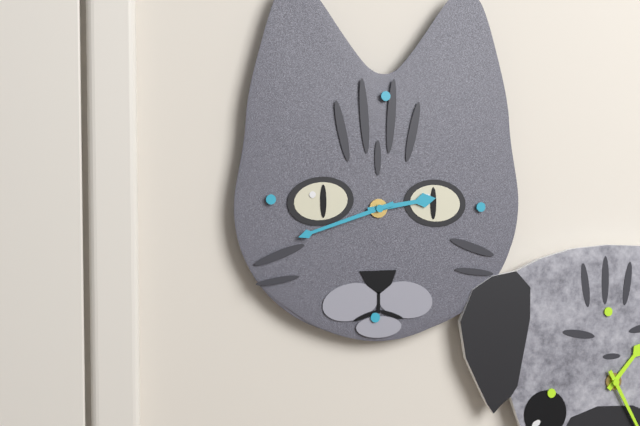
**2:42**
